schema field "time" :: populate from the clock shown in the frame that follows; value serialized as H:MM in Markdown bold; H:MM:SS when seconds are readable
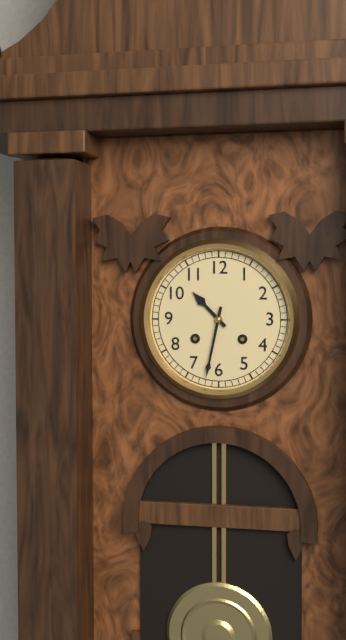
**10:32**
